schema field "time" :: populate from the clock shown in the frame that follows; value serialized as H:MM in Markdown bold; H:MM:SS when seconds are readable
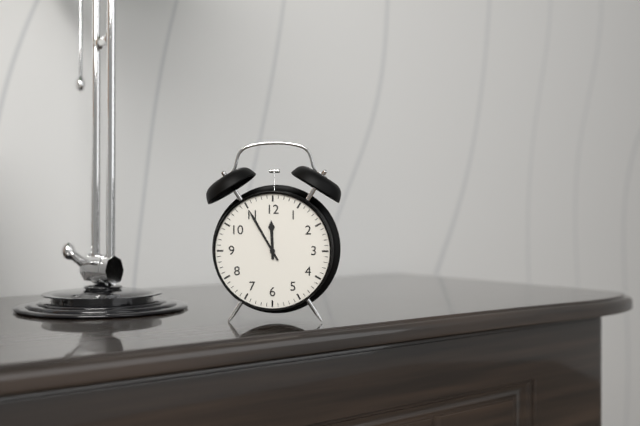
**11:55**
